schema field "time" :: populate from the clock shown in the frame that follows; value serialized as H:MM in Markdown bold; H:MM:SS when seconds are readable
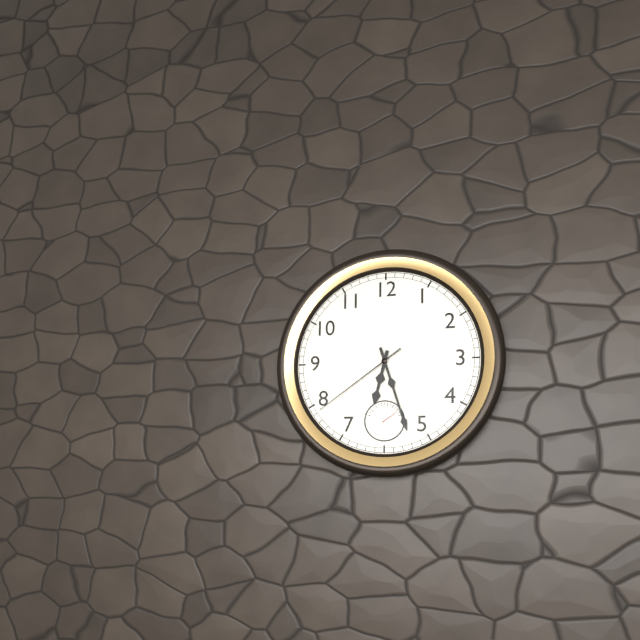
**6:27:39**
